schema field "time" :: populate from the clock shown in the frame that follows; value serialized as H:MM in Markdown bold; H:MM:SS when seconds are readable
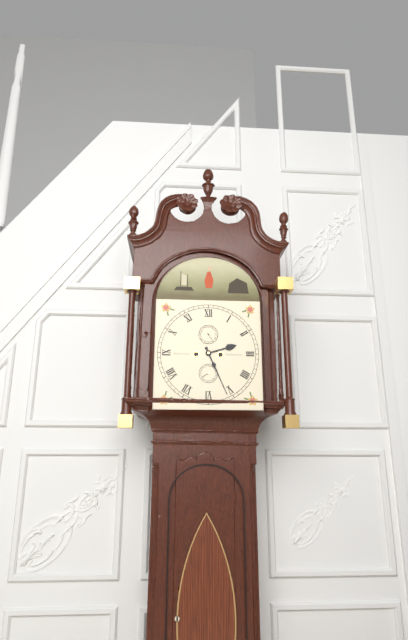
**2:26**
